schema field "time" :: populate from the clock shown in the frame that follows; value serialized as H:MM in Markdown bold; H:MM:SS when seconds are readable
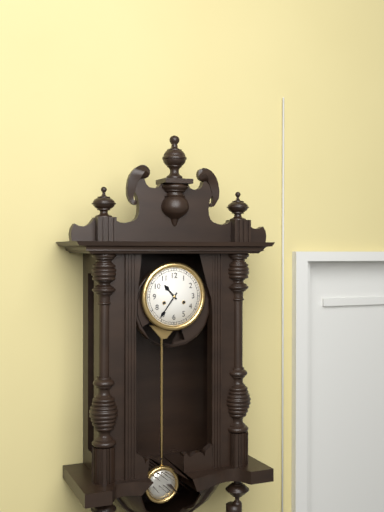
**10:36**
